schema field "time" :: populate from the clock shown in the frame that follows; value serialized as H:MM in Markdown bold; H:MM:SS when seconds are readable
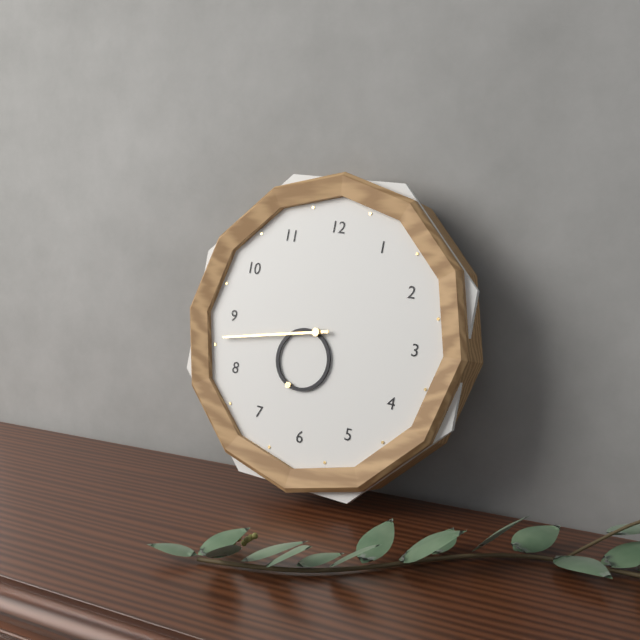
**6:43**
